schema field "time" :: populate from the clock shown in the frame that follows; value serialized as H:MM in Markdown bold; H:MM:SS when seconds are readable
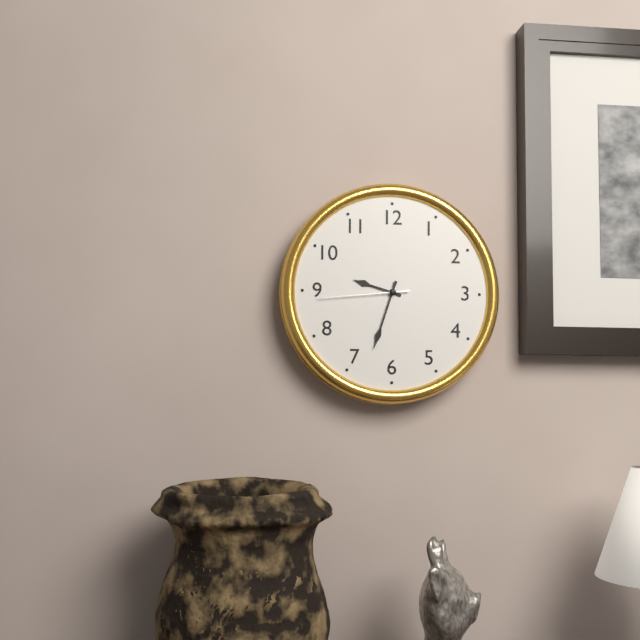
**9:33:44**
